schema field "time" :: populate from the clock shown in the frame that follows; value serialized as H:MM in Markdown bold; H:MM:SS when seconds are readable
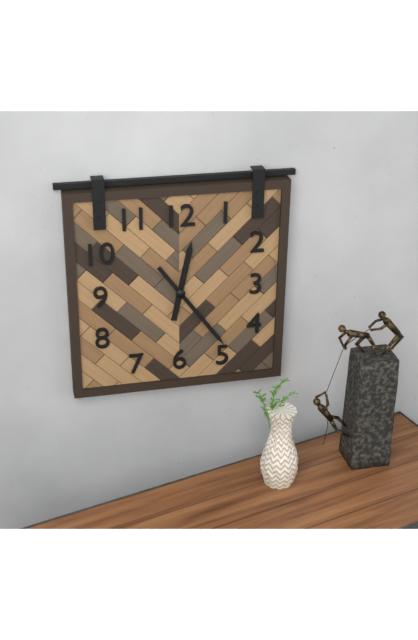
**12:24**
